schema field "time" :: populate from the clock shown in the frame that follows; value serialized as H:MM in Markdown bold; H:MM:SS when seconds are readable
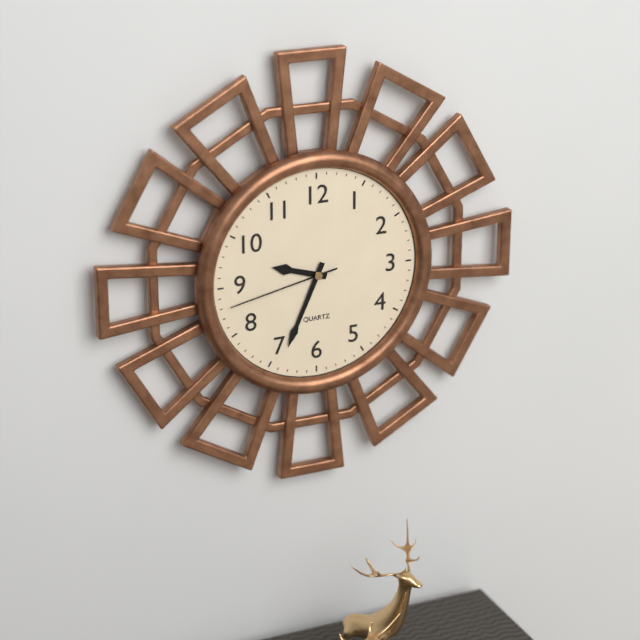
**9:34:43**
